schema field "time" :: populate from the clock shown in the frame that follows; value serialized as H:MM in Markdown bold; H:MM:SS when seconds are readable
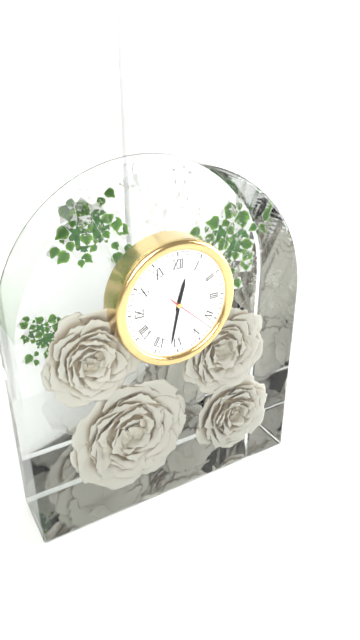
**12:32**
